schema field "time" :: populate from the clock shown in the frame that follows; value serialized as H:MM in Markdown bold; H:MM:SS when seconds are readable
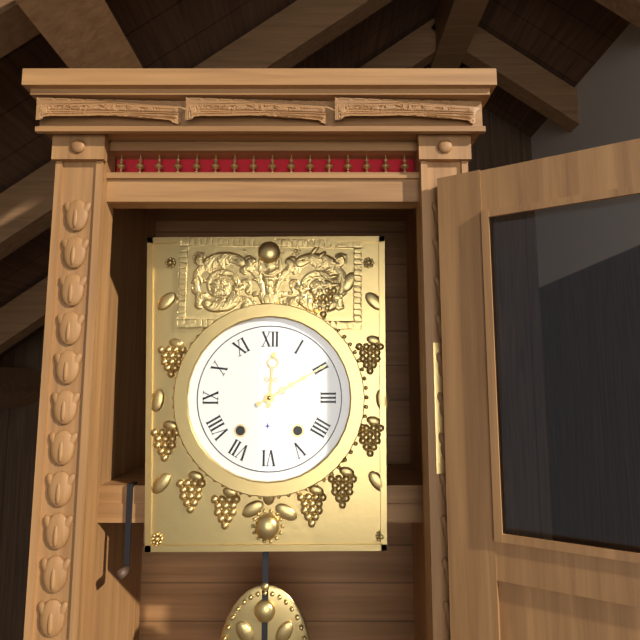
**12:10**
